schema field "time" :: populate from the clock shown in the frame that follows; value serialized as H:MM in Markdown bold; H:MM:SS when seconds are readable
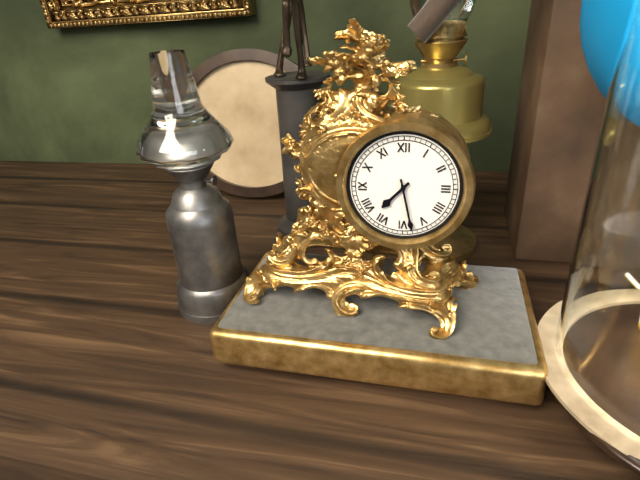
**7:28**
